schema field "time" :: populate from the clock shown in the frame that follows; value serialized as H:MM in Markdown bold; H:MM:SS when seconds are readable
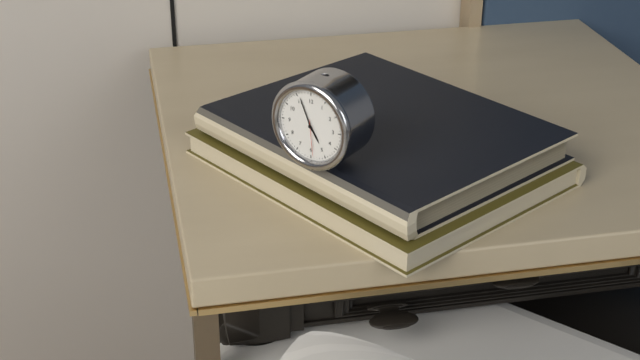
**4:56**
